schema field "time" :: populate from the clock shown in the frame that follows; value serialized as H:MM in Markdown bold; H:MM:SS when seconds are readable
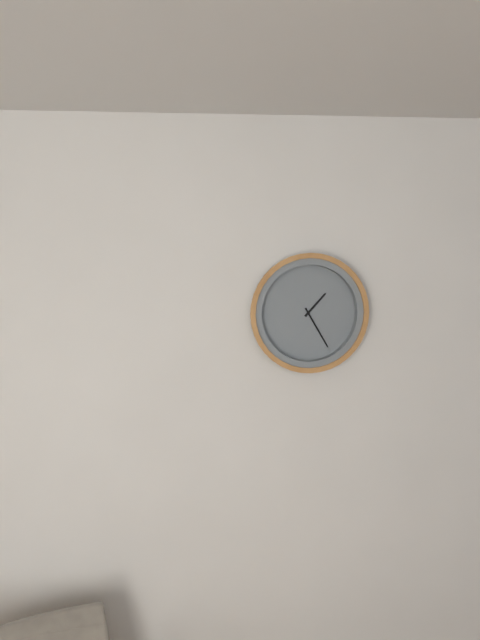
**1:25**
